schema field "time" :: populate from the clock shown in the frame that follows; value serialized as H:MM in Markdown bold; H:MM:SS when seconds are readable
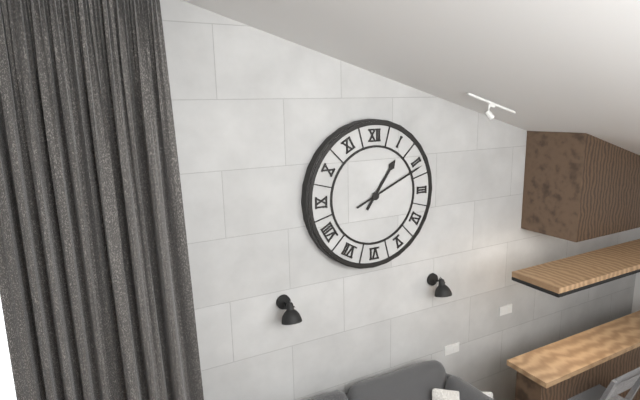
**1:11**
